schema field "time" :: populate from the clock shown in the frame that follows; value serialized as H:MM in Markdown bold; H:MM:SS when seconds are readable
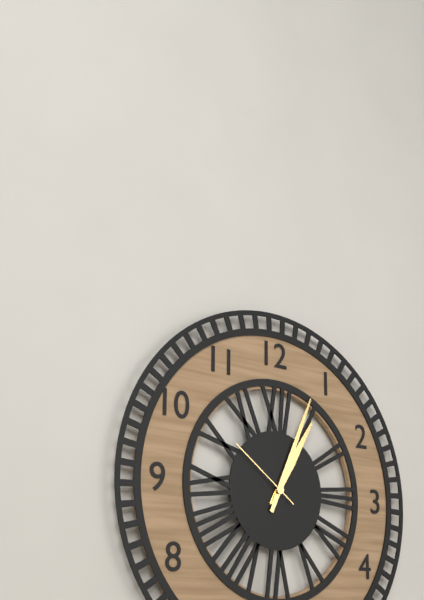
**1:04:51**
